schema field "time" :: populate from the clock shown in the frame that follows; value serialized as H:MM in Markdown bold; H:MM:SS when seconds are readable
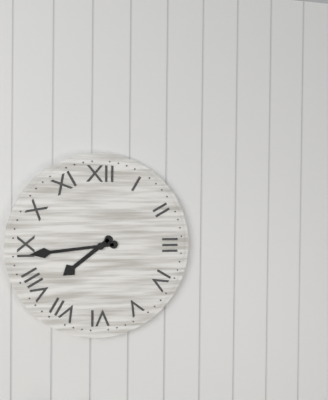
**7:44**
